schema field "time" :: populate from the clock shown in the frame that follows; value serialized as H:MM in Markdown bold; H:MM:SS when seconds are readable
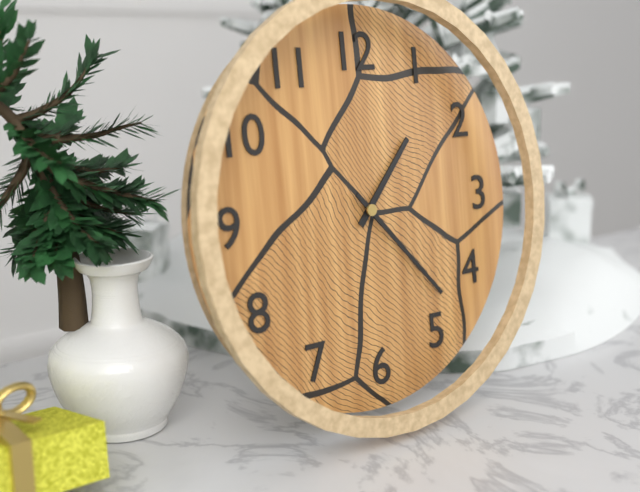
**1:23**
